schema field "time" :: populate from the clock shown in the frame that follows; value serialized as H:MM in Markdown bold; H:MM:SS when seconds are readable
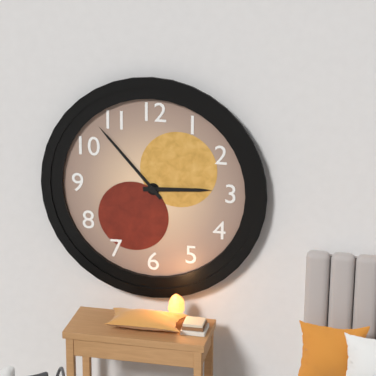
**2:53**
